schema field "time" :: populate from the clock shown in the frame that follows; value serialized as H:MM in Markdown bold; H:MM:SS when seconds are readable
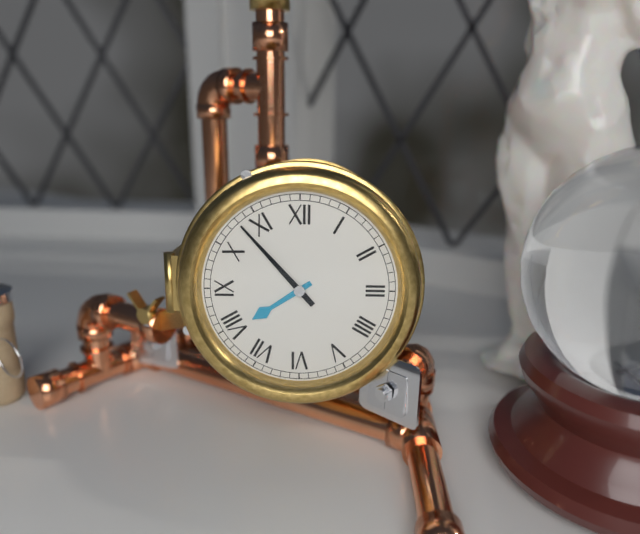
**7:53**
